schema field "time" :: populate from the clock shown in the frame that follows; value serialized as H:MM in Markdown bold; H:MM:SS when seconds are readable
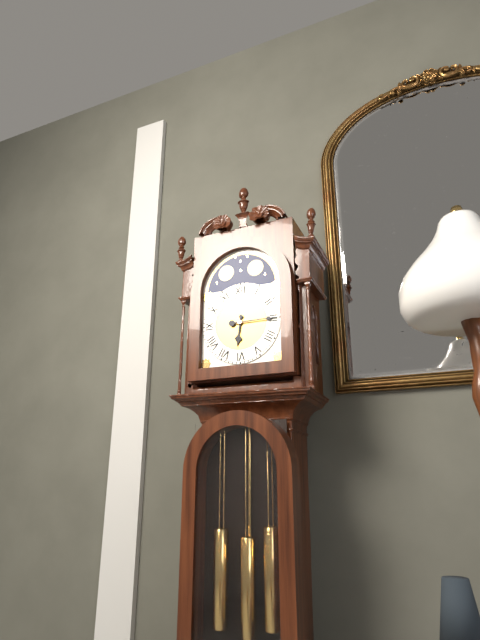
**6:15**
